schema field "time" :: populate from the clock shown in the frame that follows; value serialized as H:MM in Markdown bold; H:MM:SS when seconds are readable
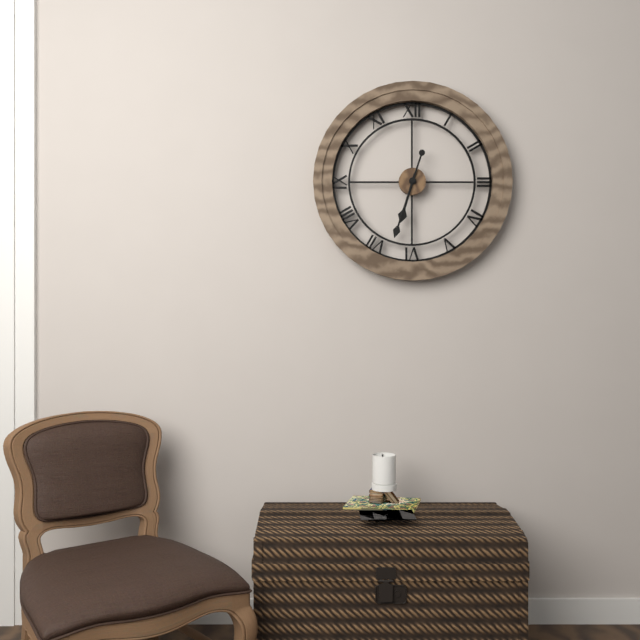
**6:33**
